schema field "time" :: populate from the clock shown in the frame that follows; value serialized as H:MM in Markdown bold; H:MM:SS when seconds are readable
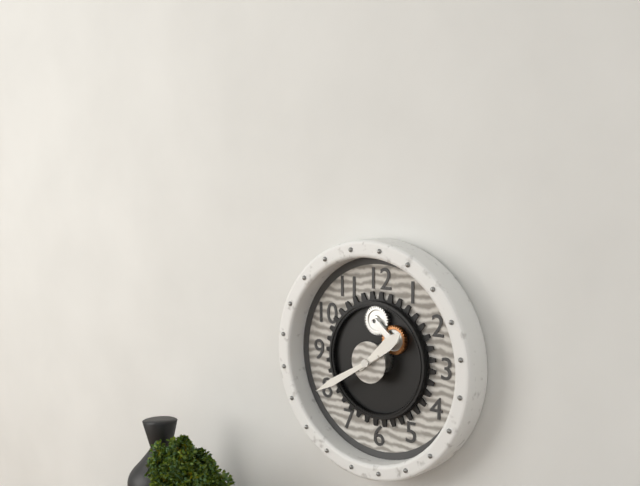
**1:40**
